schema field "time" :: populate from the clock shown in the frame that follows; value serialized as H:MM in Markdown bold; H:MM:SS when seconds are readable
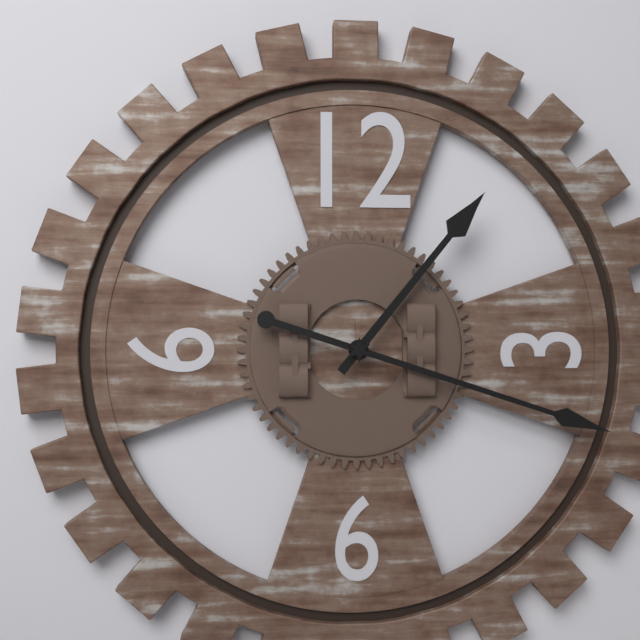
**1:18**
